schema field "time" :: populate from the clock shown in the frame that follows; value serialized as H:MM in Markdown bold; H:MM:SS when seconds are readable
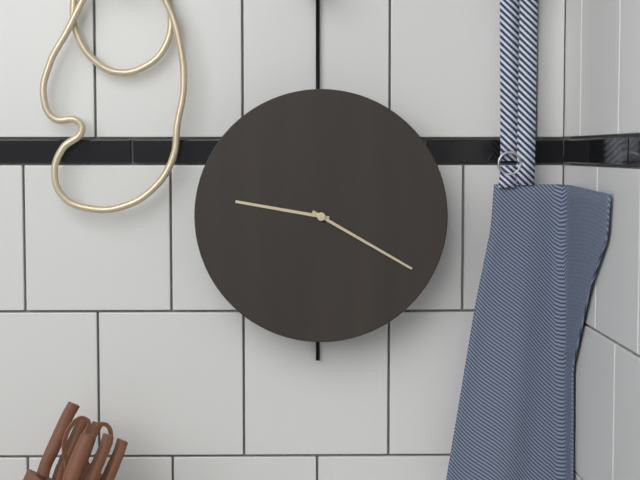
**9:20**
